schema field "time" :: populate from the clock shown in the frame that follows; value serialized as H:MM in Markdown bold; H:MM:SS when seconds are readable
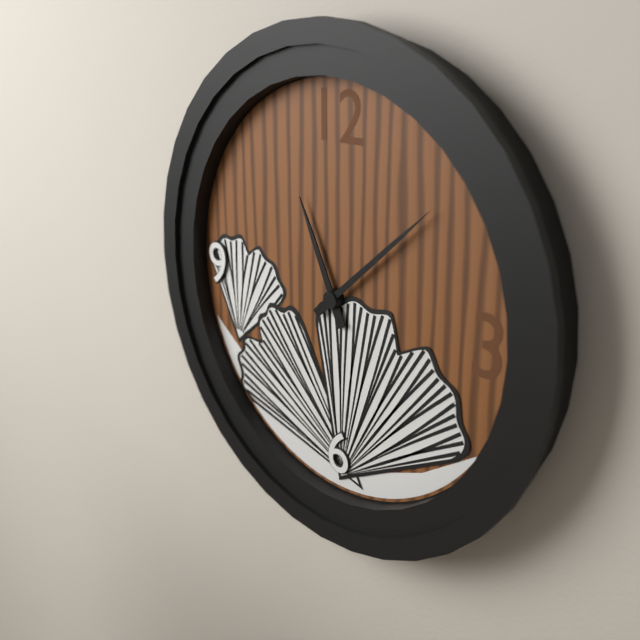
**11:08**
